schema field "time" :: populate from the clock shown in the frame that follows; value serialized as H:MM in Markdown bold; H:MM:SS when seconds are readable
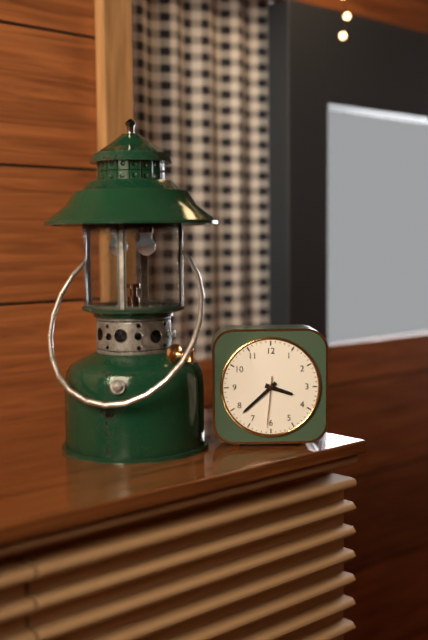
**3:38:31**
